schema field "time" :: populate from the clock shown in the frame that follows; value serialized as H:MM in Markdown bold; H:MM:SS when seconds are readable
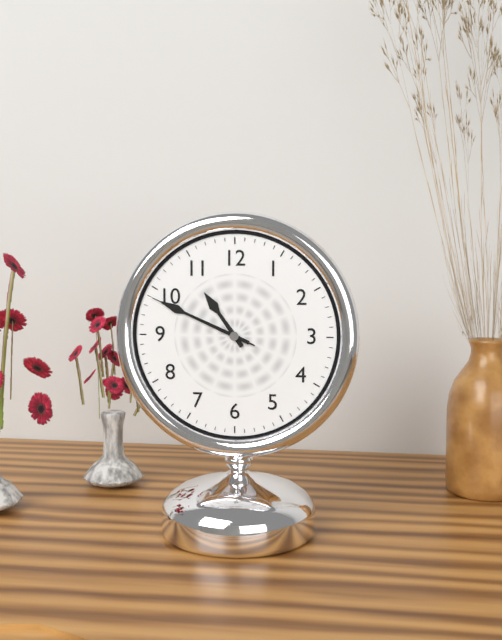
**10:49:49**
